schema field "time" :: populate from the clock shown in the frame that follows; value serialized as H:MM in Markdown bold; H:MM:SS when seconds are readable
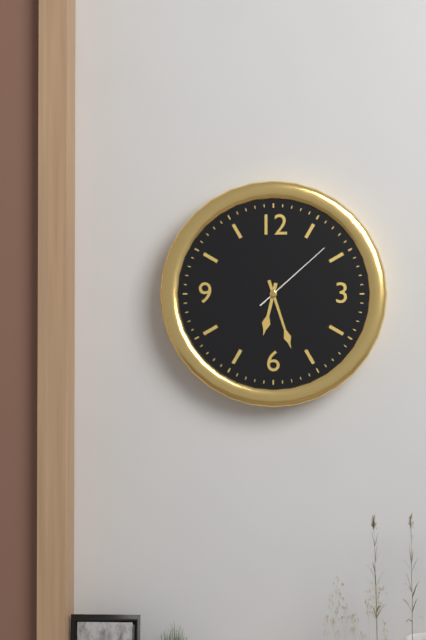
**6:27:08**
